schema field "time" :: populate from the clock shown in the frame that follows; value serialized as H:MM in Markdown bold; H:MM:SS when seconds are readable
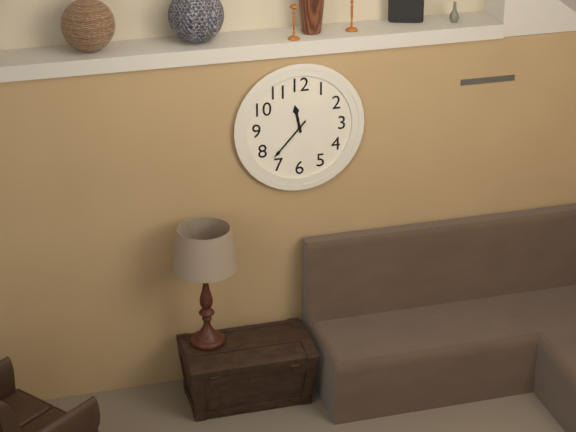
**11:37**
